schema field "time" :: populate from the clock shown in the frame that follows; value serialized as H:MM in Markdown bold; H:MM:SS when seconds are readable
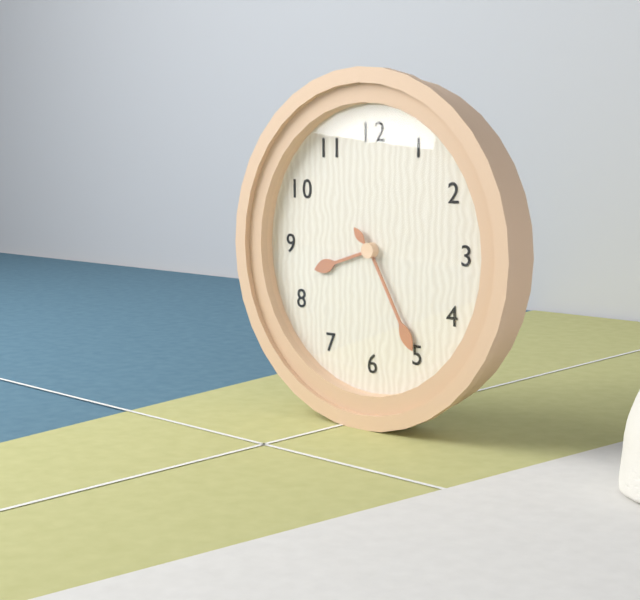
**8:25**
